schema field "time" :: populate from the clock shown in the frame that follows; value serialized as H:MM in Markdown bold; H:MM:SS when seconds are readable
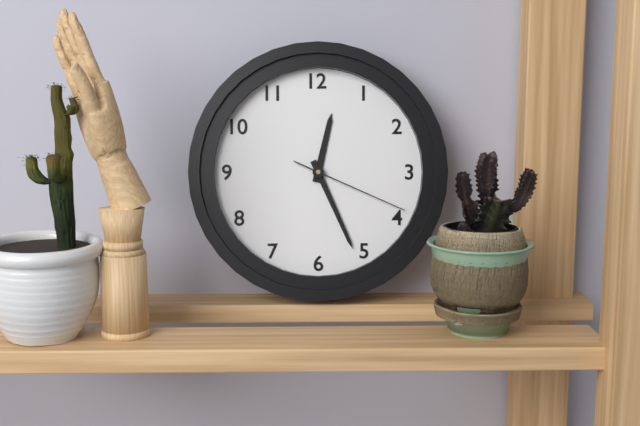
**12:26:19**
